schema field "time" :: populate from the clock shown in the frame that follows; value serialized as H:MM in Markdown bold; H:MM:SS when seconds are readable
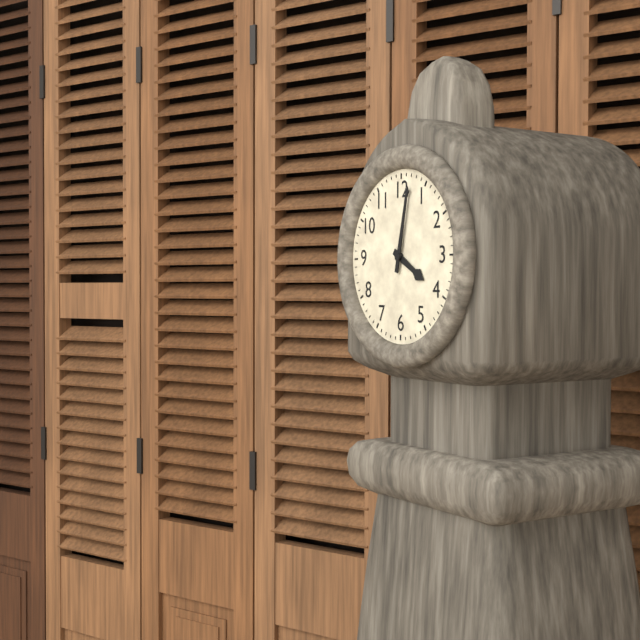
**4:02**
